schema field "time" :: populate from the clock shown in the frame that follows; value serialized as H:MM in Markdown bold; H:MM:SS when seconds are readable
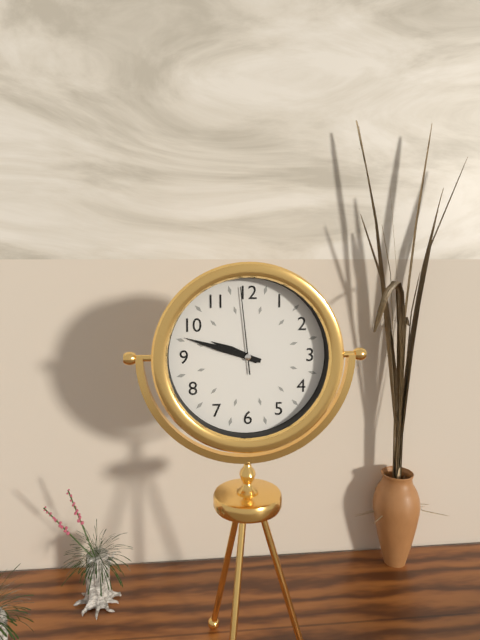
**9:48:59**
